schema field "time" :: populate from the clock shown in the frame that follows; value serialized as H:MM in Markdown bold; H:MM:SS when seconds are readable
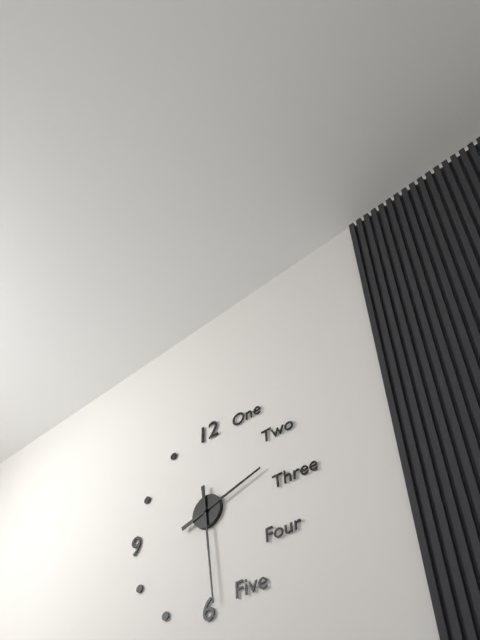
**2:29**
